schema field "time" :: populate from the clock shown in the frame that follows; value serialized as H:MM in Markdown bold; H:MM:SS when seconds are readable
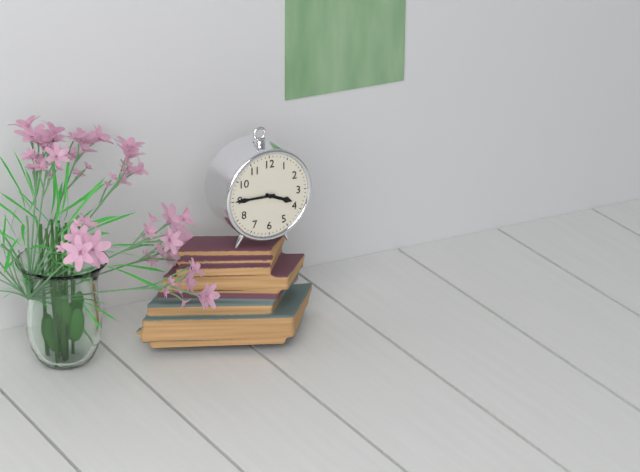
**3:45**
